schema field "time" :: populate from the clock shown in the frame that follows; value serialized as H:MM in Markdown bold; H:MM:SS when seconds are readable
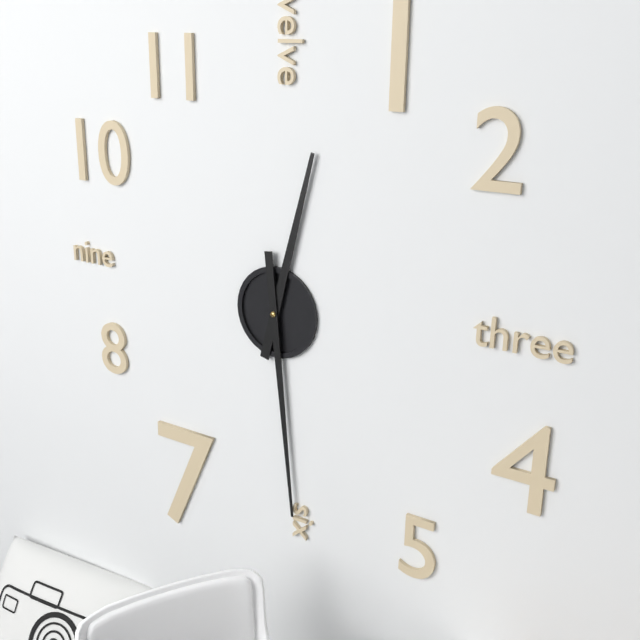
**12:29**
